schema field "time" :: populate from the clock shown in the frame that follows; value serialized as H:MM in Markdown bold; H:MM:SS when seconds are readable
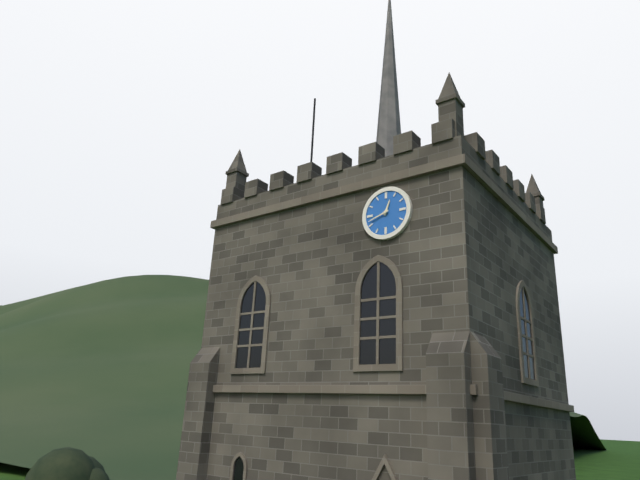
**12:42**
